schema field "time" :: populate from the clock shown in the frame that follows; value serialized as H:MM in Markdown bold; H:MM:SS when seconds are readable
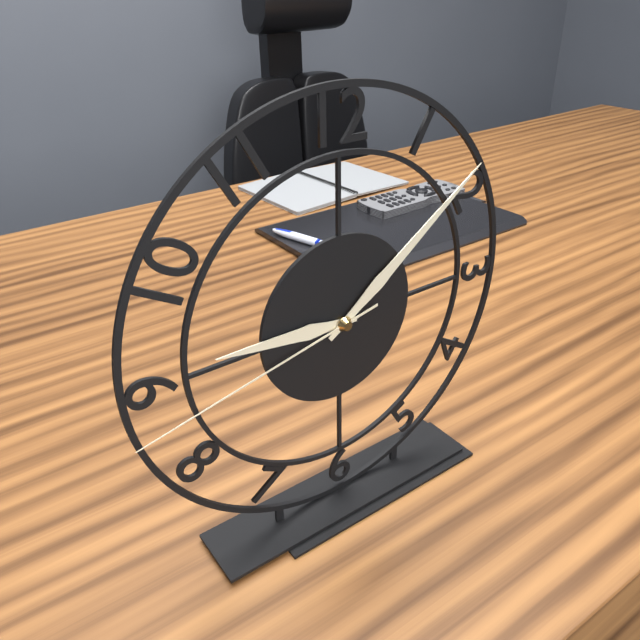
**9:09:43**
